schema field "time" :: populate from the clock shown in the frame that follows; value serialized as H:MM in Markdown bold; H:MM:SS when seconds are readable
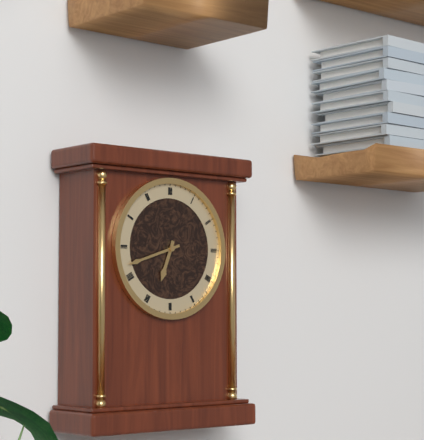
**6:42**
